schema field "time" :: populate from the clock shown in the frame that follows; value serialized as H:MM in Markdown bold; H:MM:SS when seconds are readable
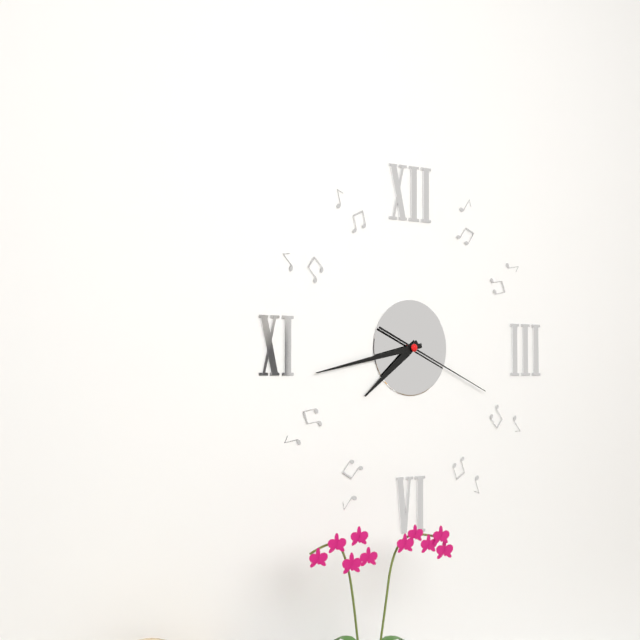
**7:43:19**
